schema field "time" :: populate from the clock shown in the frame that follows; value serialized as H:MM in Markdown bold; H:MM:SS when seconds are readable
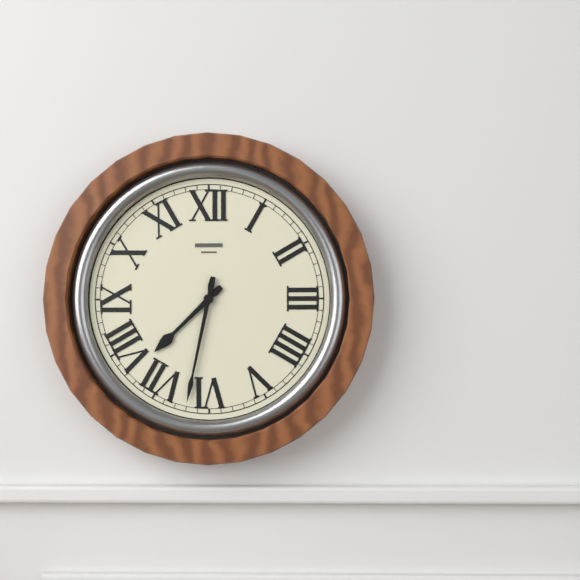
**7:32**
